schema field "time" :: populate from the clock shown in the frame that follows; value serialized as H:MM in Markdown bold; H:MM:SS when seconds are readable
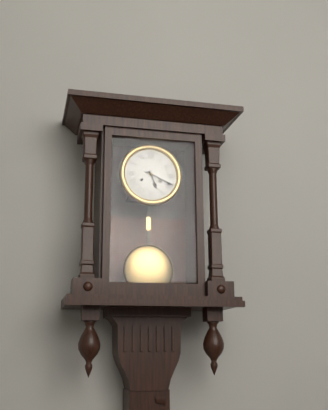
**5:19**
